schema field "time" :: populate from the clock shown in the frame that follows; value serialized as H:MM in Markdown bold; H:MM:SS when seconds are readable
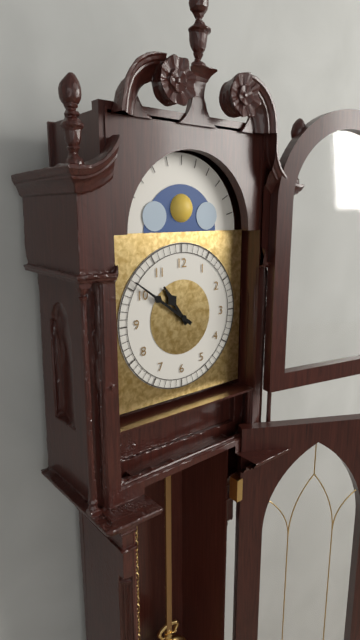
**10:51**
